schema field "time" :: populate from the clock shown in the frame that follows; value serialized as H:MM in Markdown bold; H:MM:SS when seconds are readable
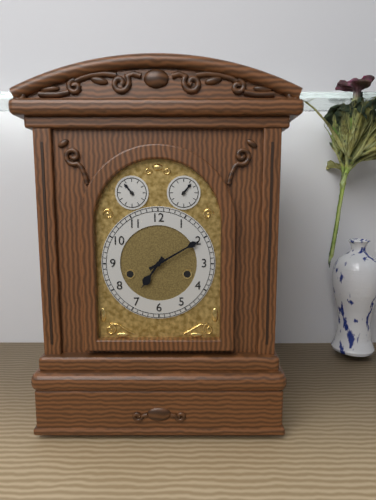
**7:10**
